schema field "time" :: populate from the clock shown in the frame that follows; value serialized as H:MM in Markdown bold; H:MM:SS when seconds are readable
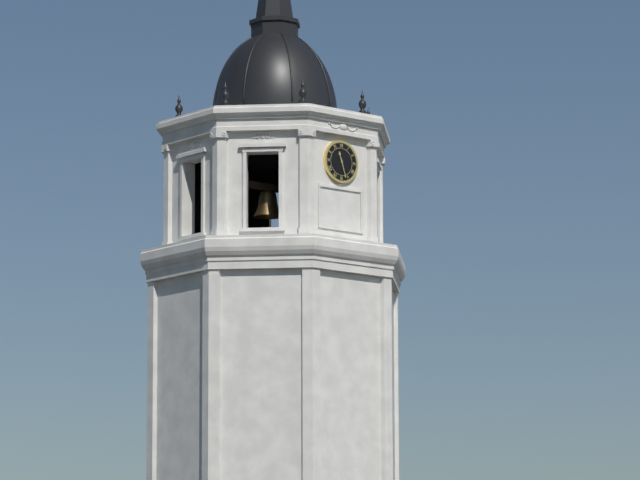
**11:27**
